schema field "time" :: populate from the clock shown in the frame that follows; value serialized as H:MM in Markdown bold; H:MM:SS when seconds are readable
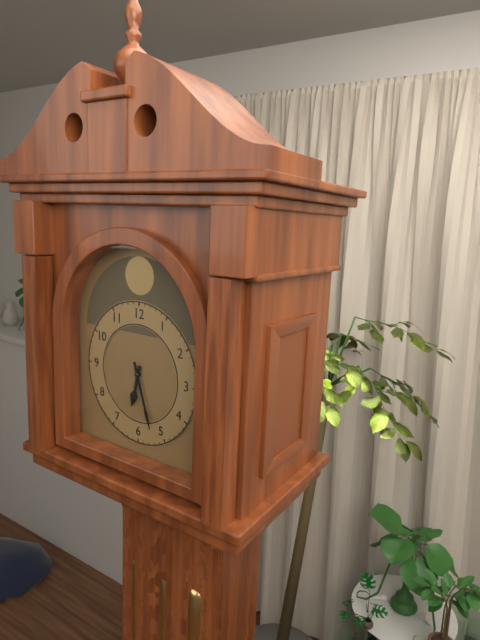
**6:27**
